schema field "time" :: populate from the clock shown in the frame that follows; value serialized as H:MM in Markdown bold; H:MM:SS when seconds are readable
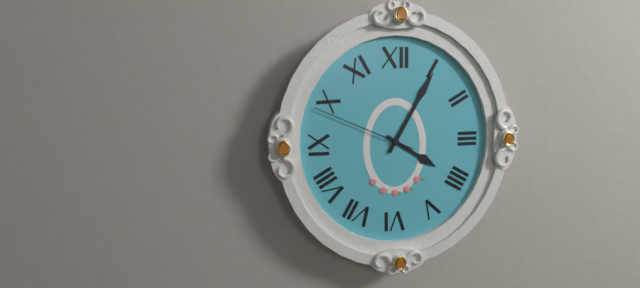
**4:05:49**
